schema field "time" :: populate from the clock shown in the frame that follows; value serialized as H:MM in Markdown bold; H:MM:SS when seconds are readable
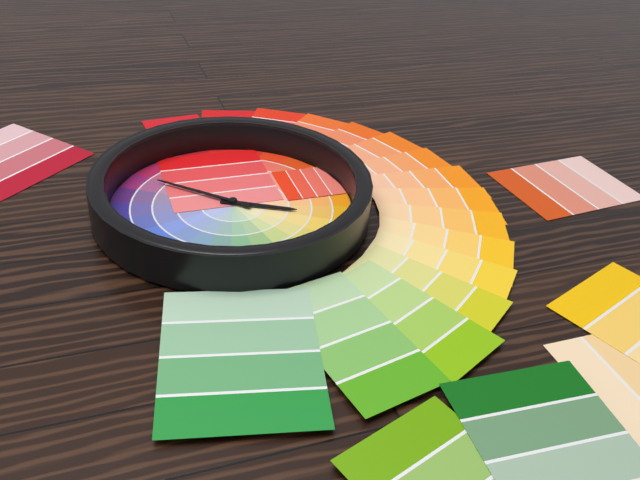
**3:52**
